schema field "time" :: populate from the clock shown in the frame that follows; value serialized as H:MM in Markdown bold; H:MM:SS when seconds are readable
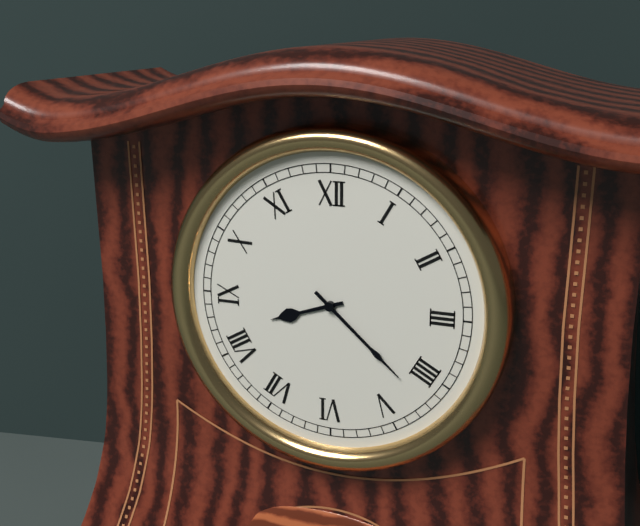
**8:22**
